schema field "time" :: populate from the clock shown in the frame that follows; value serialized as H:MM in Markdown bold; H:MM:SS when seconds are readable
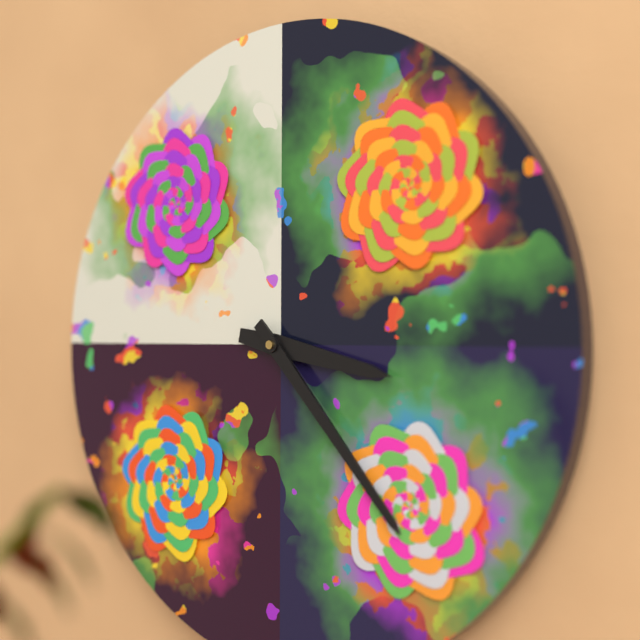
**3:23**
